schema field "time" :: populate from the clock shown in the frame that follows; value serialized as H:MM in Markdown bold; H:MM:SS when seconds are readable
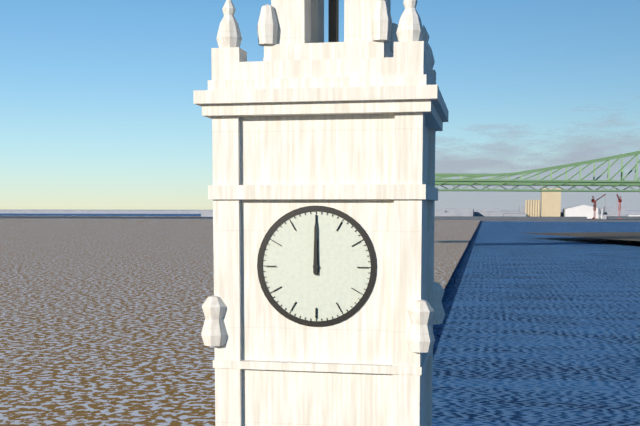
**12:00**
